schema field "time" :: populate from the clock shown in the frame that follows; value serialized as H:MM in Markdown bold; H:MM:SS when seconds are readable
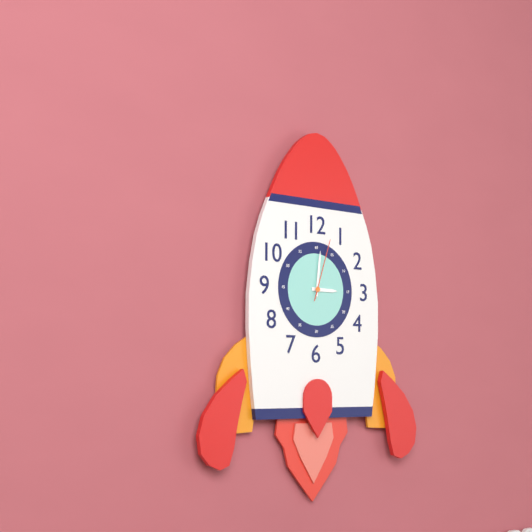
**3:01:03**
